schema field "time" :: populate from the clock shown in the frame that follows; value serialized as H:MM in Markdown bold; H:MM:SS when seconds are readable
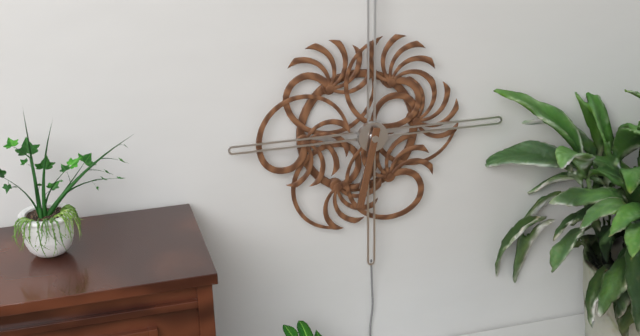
**6:32**
